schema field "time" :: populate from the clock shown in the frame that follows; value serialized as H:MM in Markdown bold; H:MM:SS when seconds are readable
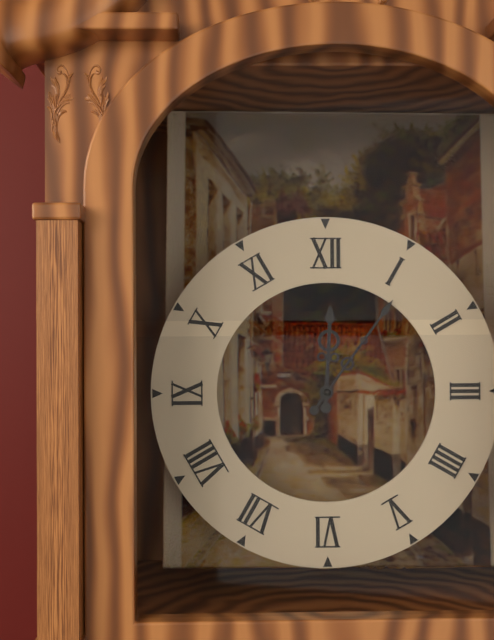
**12:06**
